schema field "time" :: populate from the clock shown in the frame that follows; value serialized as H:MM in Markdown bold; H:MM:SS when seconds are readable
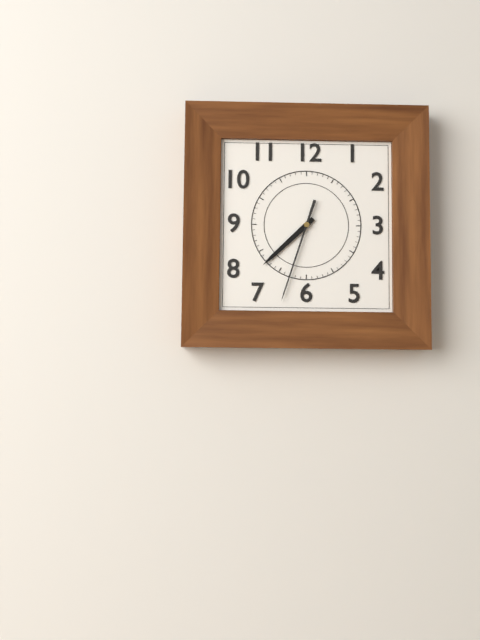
**7:33**
